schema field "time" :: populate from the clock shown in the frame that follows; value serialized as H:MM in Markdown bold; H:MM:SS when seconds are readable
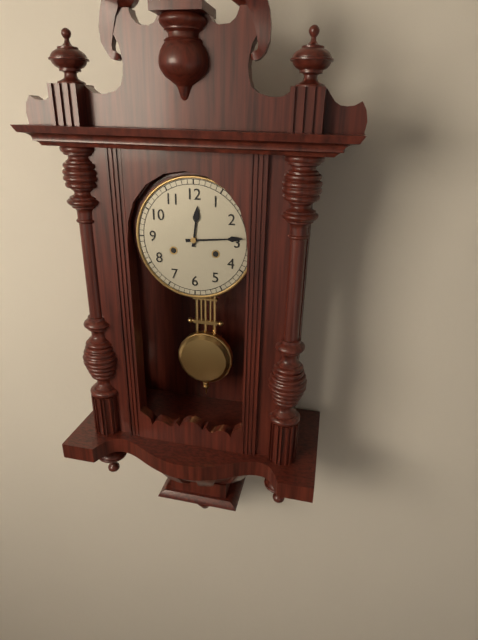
**12:14**
